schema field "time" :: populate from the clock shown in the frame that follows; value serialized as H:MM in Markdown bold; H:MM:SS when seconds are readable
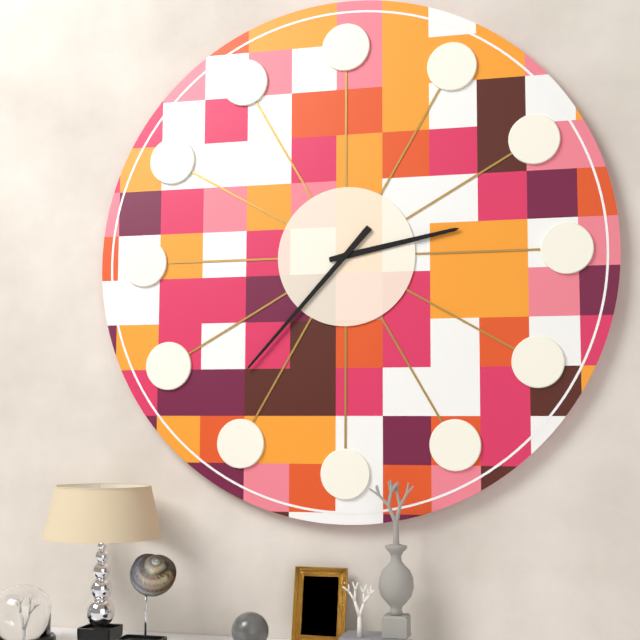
**2:37**
